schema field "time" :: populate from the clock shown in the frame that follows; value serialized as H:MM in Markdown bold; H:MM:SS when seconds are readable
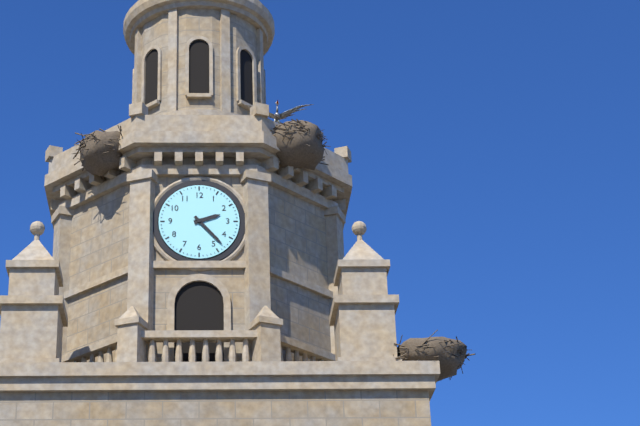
**2:23**
